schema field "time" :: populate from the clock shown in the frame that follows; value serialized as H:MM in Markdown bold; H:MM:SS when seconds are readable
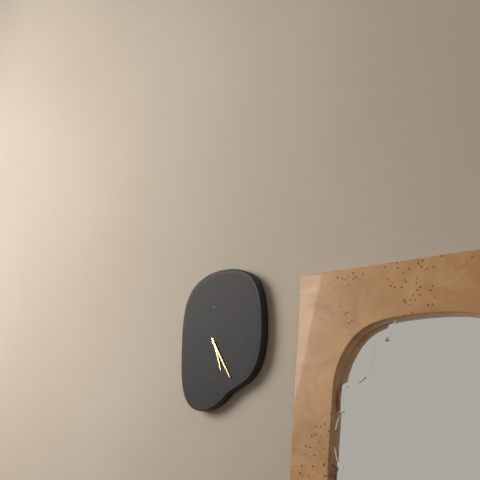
**5:25**
